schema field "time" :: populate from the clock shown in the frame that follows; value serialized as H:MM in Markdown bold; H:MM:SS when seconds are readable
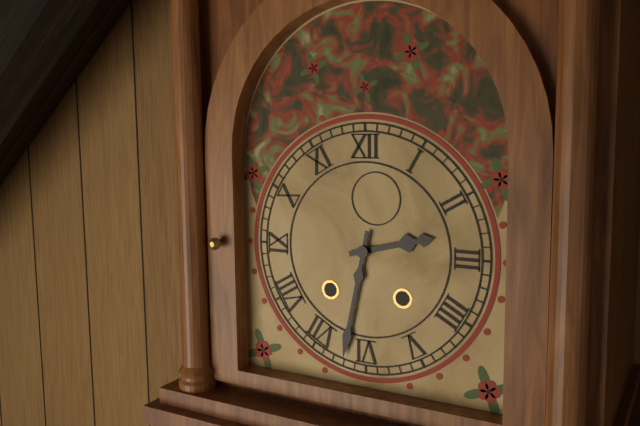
**2:32**
